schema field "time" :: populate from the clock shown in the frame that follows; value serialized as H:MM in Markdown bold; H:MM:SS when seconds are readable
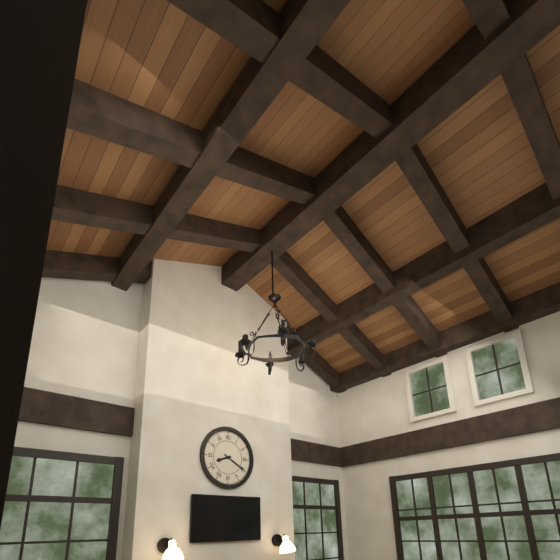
**8:20**
